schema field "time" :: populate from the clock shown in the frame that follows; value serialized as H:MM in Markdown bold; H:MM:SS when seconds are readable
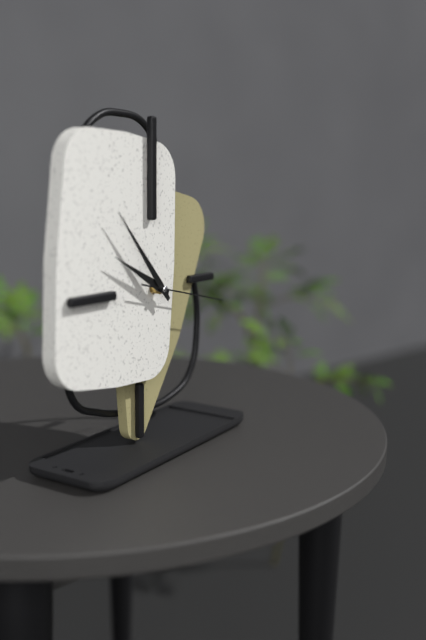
**9:53:17**
